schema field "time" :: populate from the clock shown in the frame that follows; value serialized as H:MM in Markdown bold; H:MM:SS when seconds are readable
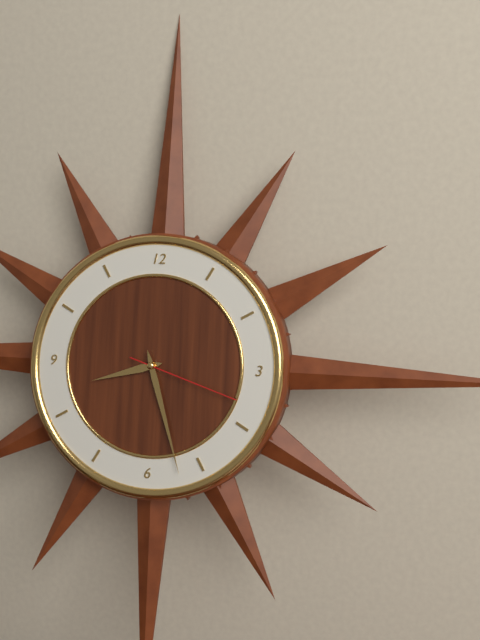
**8:27:18**
